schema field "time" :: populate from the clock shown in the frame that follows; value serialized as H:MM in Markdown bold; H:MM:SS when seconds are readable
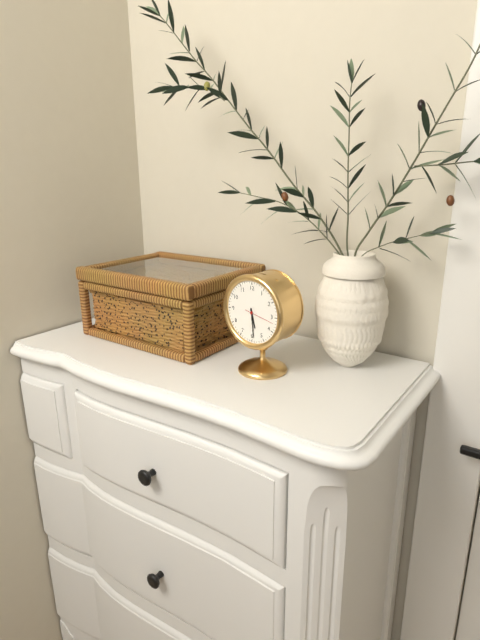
**5:29**
